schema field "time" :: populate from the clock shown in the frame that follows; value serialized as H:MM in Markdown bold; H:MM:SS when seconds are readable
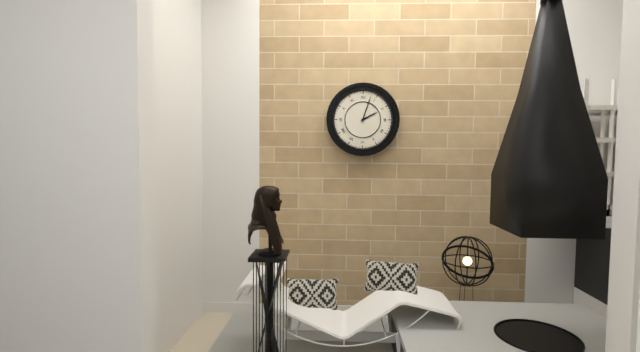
**2:03**
